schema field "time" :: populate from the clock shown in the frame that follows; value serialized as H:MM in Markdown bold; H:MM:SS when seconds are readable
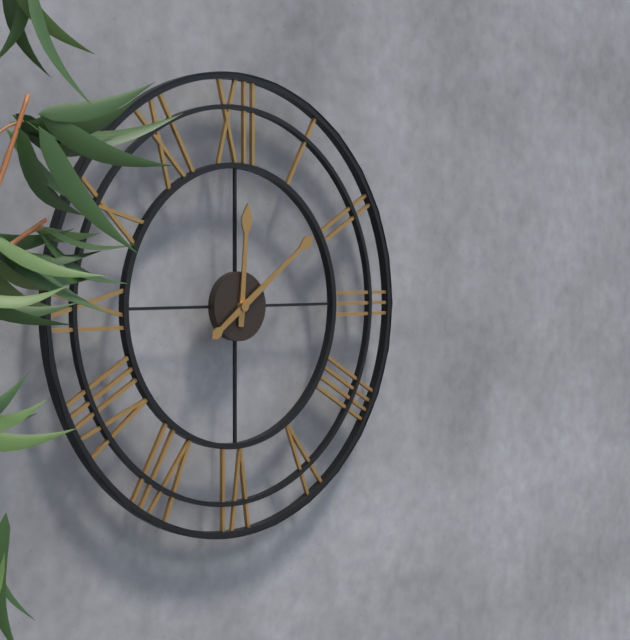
**12:09**
